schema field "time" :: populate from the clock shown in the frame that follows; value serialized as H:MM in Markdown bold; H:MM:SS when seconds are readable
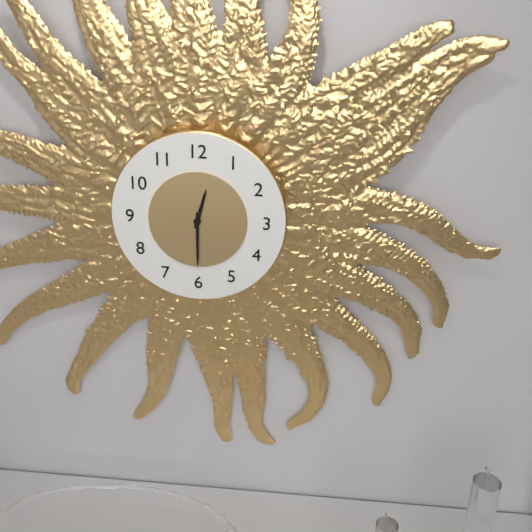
**12:30**
